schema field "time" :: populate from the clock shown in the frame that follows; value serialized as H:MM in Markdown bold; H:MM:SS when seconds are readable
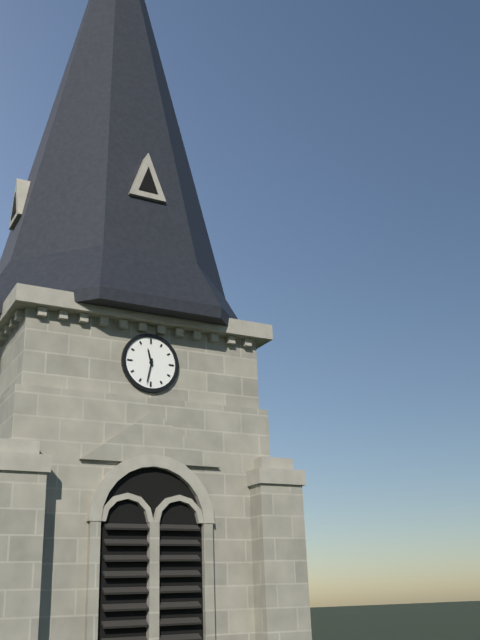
**11:32**
